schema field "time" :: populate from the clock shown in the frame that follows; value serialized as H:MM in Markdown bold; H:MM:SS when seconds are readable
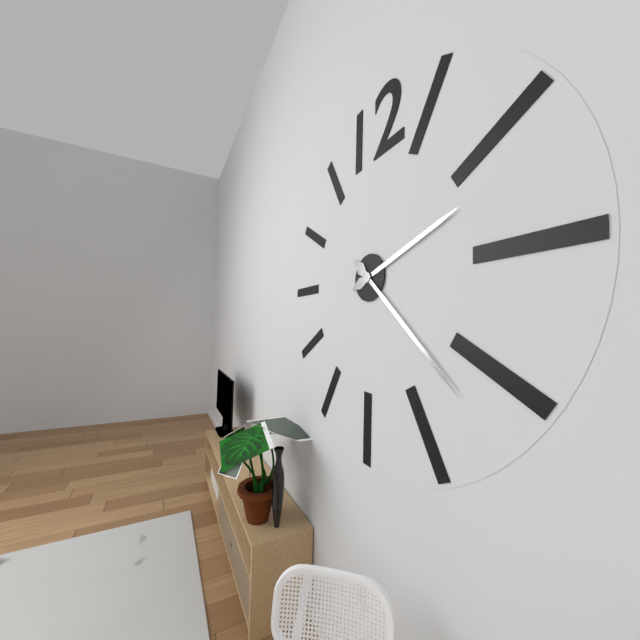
**2:22**
